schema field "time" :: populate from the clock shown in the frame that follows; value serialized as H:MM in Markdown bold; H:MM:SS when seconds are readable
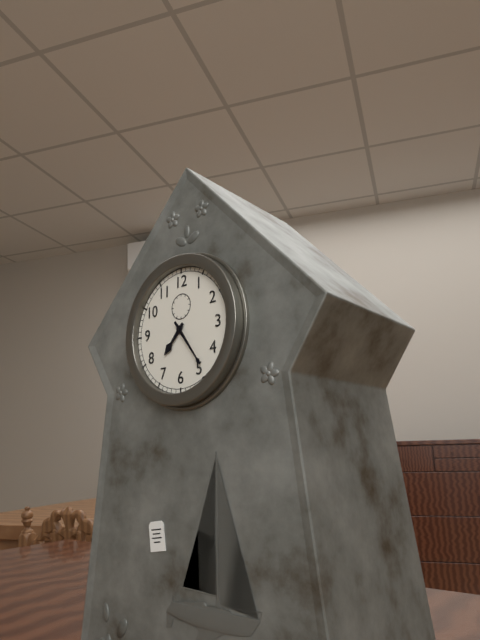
**7:24**
